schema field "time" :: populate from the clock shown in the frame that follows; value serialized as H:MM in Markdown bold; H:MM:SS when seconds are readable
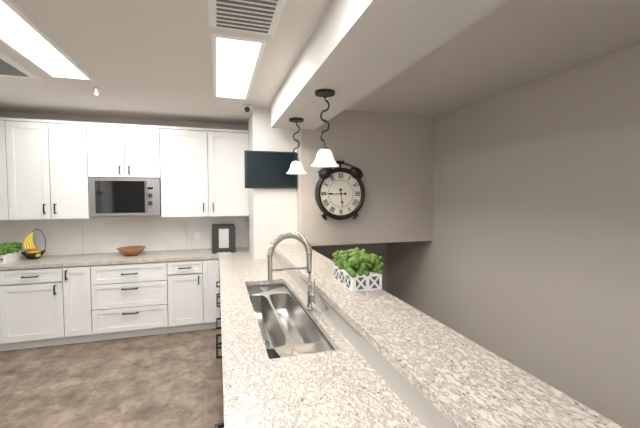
**5:45**
